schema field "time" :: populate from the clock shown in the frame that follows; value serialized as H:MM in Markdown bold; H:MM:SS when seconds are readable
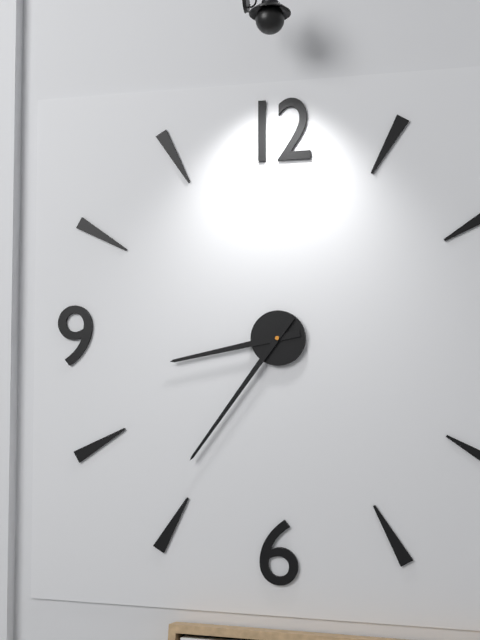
**8:36**
